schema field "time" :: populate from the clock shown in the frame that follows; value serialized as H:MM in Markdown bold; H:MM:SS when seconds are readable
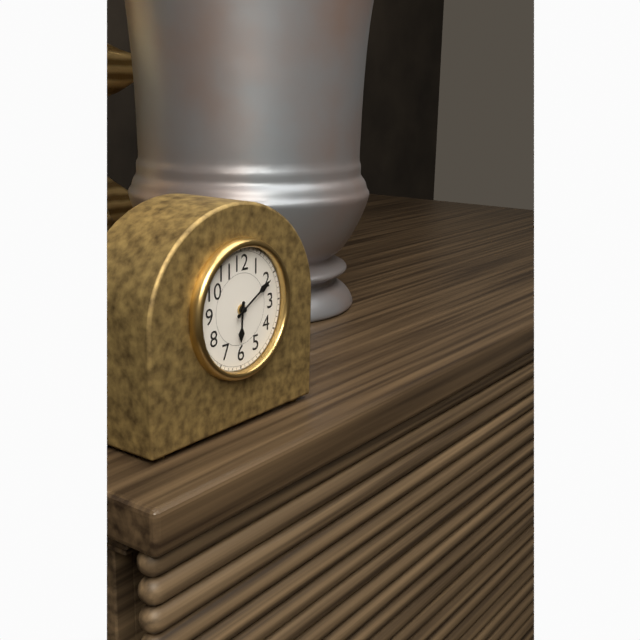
**6:10**
